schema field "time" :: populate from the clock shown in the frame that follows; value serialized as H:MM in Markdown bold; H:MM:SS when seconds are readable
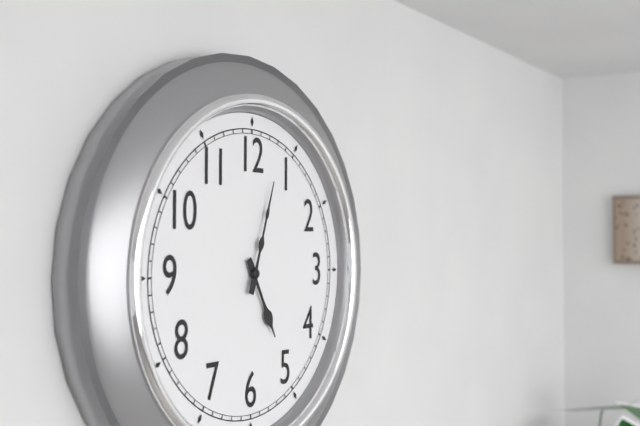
**5:03**
